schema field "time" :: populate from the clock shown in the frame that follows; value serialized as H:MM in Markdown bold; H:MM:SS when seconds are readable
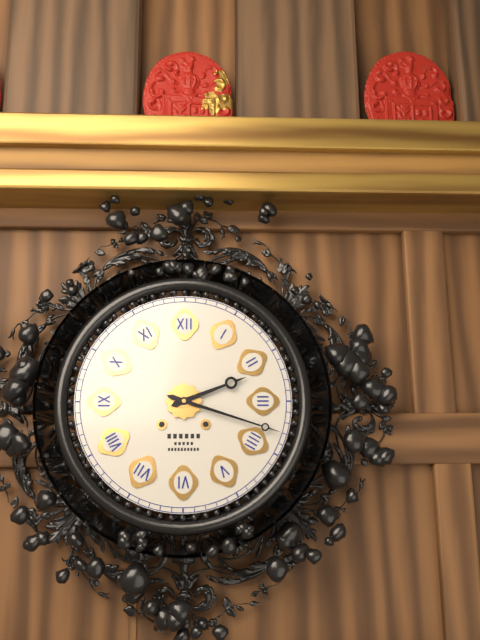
**2:18**
